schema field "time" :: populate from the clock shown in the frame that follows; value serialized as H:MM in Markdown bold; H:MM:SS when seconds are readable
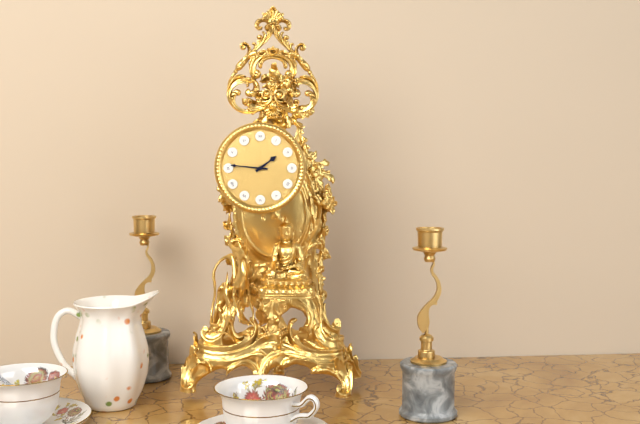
**1:46**
